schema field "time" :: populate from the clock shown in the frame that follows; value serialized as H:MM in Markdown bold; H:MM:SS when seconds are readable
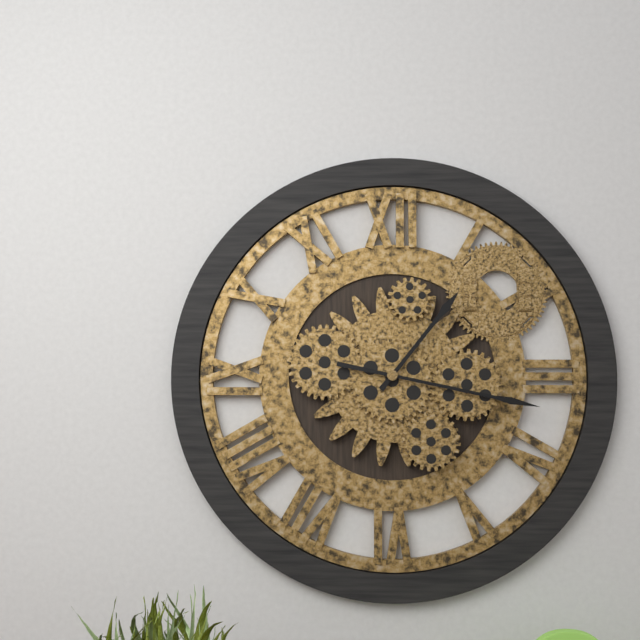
**1:17**
